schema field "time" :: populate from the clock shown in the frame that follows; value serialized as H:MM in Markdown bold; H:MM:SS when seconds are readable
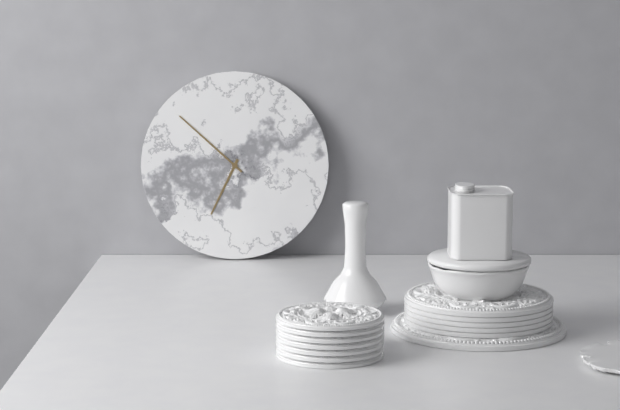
**6:52**
